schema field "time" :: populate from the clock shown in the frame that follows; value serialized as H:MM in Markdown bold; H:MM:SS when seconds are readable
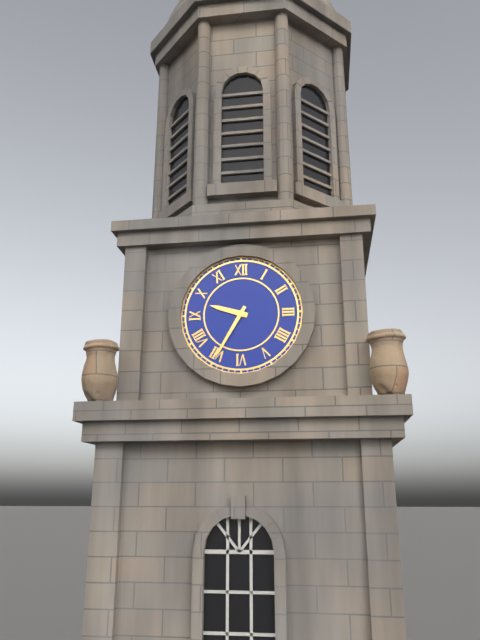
**9:35**
